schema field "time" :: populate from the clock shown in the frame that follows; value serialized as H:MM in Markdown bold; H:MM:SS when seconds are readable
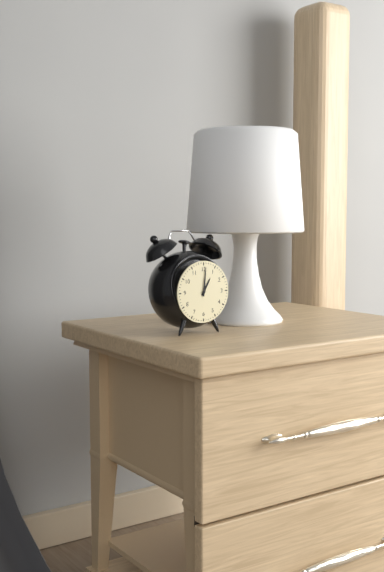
**1:01**
